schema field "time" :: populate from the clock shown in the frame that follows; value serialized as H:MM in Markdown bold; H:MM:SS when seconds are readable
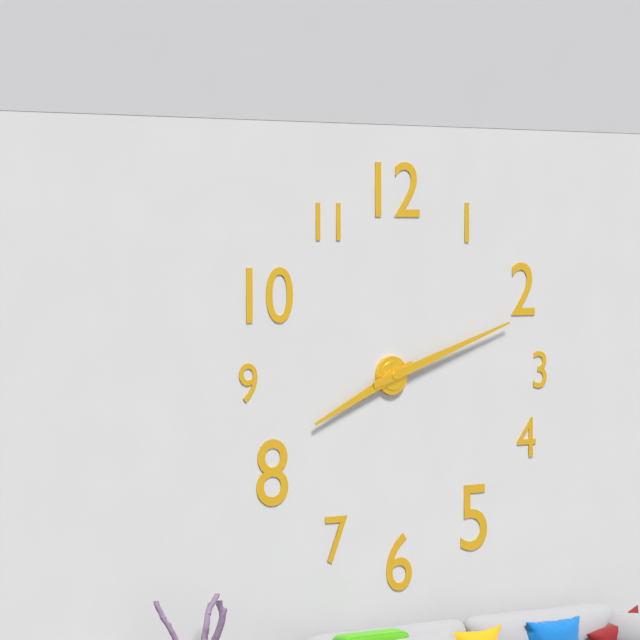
**8:12**
